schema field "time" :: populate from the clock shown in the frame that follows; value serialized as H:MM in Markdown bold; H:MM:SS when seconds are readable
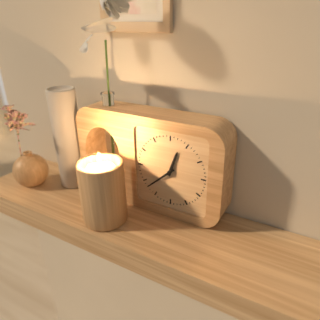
**12:38**
